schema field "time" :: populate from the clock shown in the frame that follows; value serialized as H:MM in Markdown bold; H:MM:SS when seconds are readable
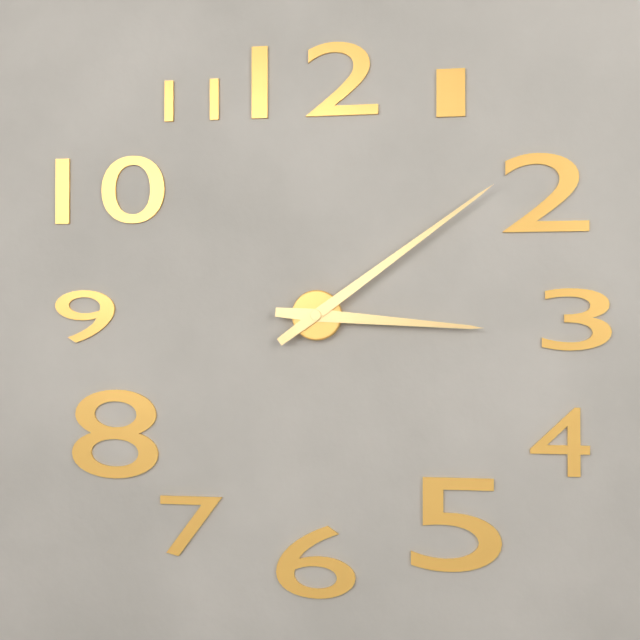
**3:09**
